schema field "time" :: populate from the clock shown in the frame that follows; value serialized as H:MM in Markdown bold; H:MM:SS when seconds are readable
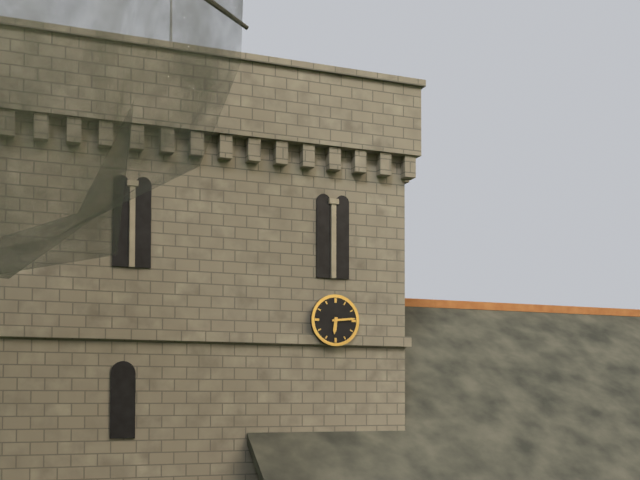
**6:14**
